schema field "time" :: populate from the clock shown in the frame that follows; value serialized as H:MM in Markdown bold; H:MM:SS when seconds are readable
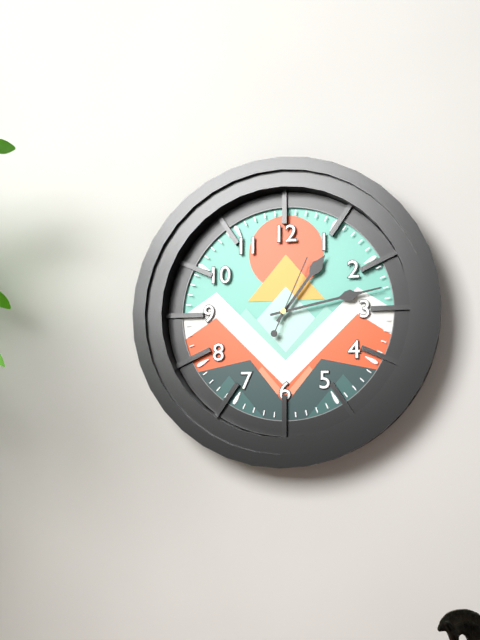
**1:13:04**
